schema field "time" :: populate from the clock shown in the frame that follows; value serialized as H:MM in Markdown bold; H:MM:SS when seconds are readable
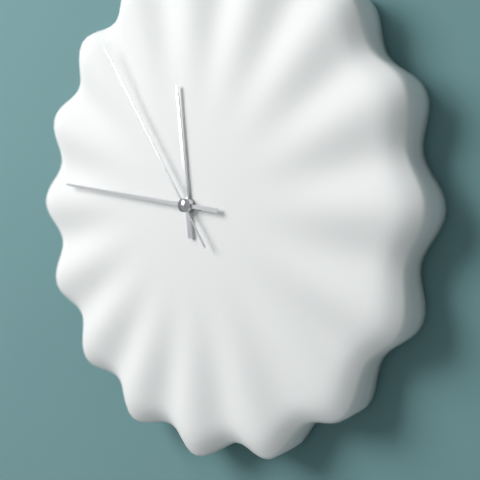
**11:46:54**
